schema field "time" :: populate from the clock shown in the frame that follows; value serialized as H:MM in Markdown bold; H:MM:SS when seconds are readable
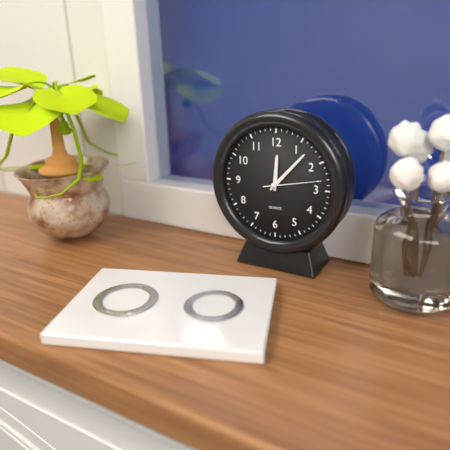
**12:07:13**
